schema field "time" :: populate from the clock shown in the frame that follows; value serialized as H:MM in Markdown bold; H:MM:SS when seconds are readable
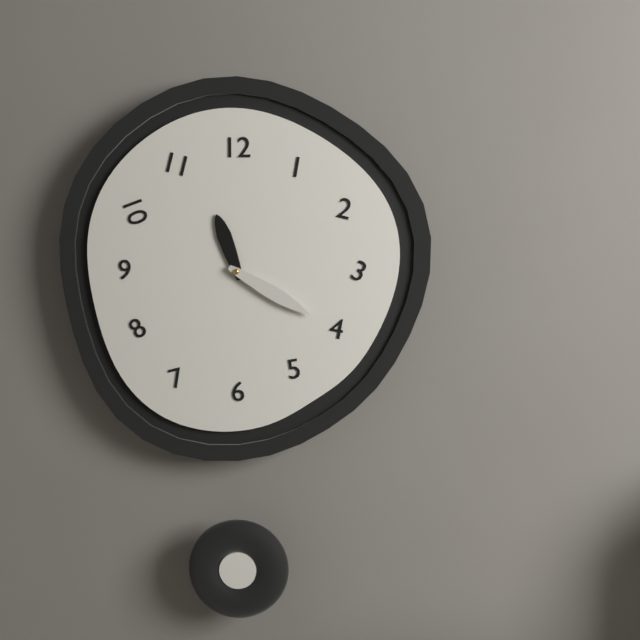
**11:20**
